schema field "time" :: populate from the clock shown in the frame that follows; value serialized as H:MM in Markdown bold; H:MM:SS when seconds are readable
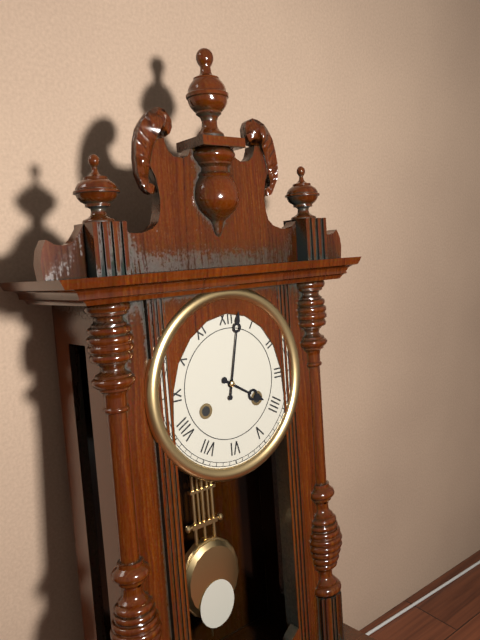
**4:02**
